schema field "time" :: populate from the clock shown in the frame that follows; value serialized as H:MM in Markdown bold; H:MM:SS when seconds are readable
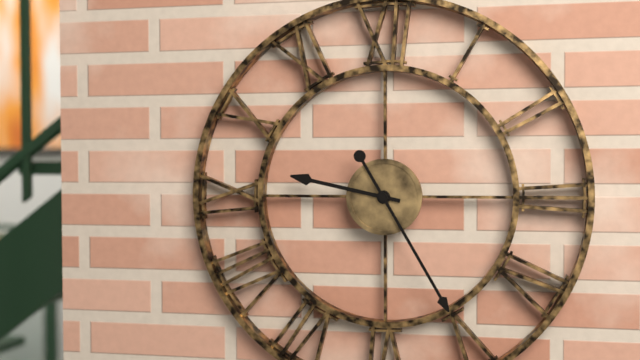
**9:25**
